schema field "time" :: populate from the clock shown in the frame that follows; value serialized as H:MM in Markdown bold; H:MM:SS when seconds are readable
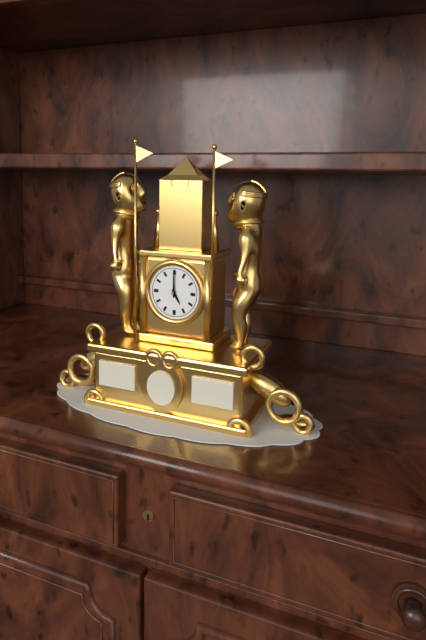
**5:00**
